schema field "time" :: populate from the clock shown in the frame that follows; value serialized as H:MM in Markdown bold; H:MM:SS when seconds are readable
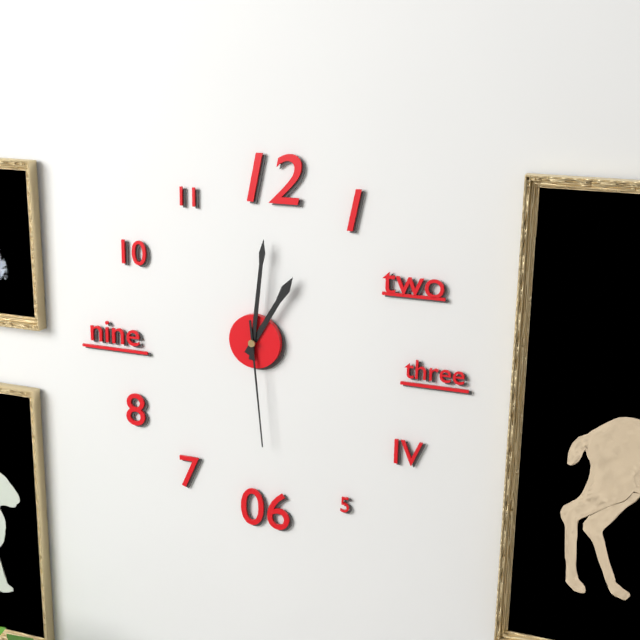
**1:01:29**
